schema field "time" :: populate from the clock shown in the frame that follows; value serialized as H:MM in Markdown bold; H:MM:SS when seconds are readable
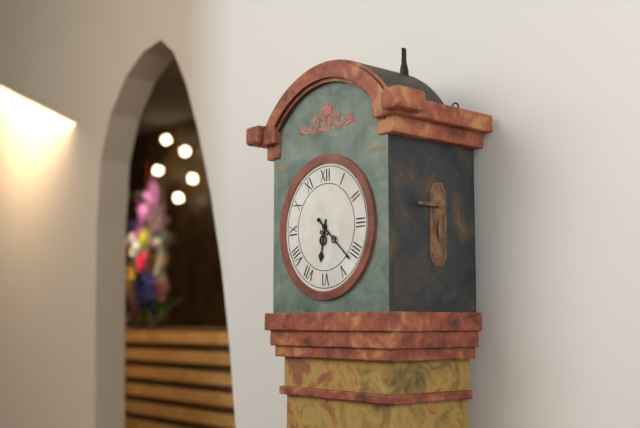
**6:22**
